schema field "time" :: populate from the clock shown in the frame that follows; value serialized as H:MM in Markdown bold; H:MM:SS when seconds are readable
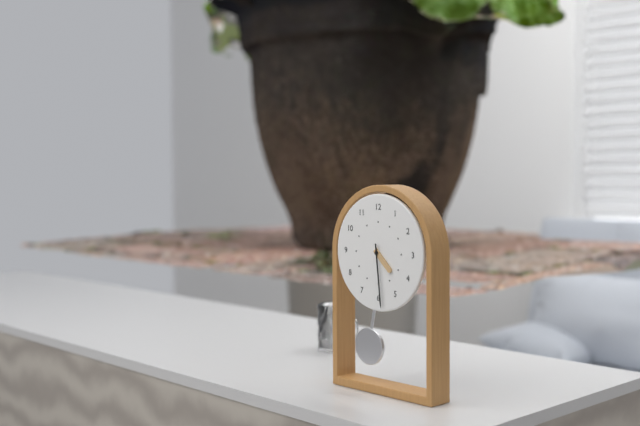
**4:29**
